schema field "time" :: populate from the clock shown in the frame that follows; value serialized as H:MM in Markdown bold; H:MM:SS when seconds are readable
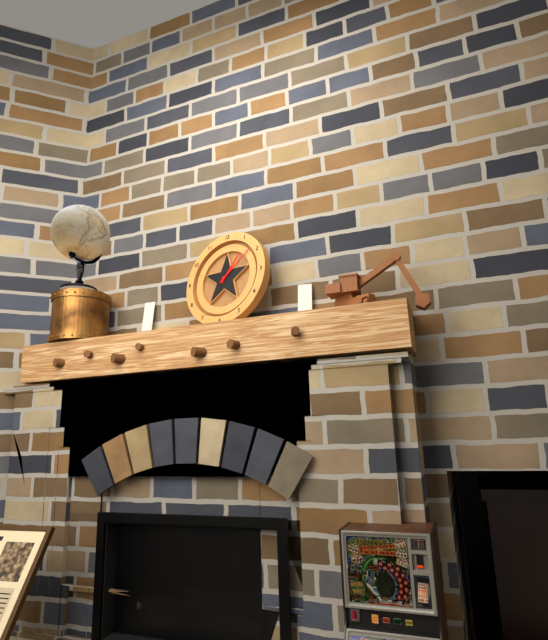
**1:08**
